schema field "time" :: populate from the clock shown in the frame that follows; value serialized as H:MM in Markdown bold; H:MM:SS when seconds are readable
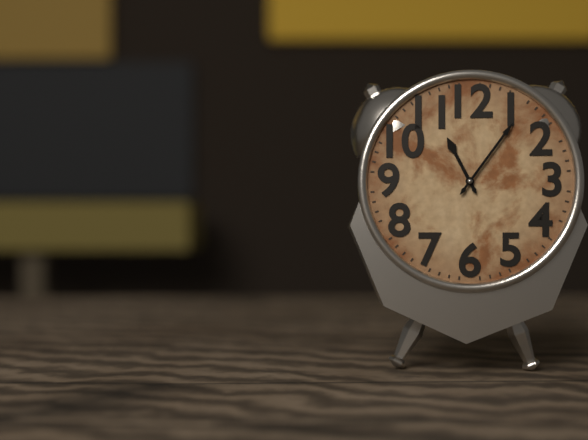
**11:06**
